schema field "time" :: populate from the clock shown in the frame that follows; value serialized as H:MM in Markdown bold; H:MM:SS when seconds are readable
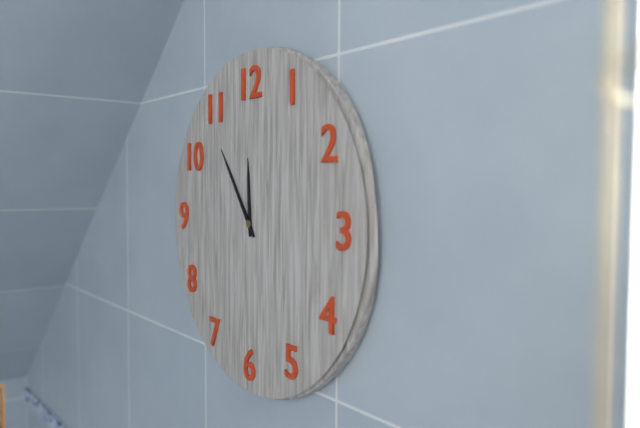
**11:54**
